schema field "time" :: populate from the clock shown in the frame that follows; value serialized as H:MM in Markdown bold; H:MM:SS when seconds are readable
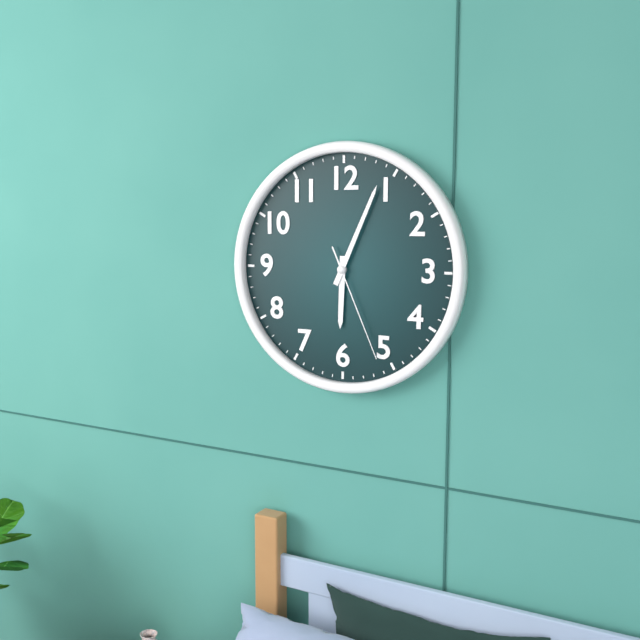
**6:04:26**
